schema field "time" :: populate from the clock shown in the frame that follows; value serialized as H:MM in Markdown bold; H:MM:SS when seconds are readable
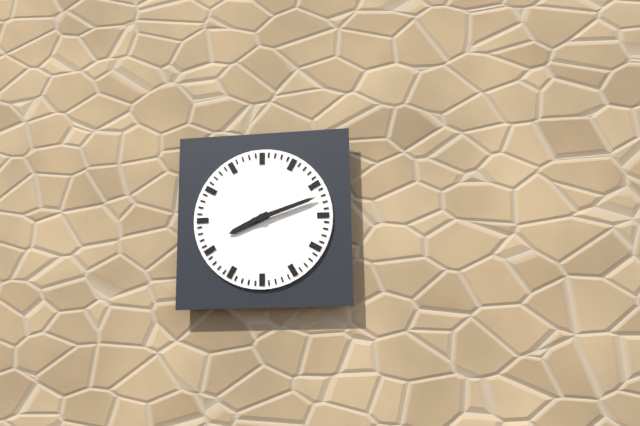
**8:12**
